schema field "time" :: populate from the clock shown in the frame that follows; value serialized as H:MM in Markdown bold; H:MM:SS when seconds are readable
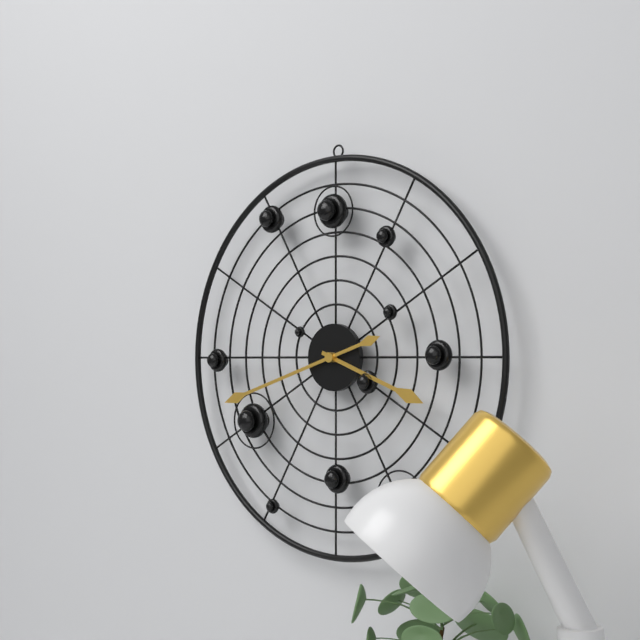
**3:42**
